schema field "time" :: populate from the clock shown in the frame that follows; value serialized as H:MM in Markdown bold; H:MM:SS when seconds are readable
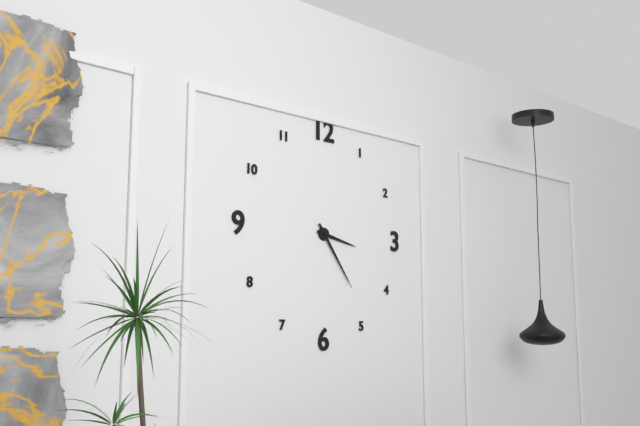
**3:24**
